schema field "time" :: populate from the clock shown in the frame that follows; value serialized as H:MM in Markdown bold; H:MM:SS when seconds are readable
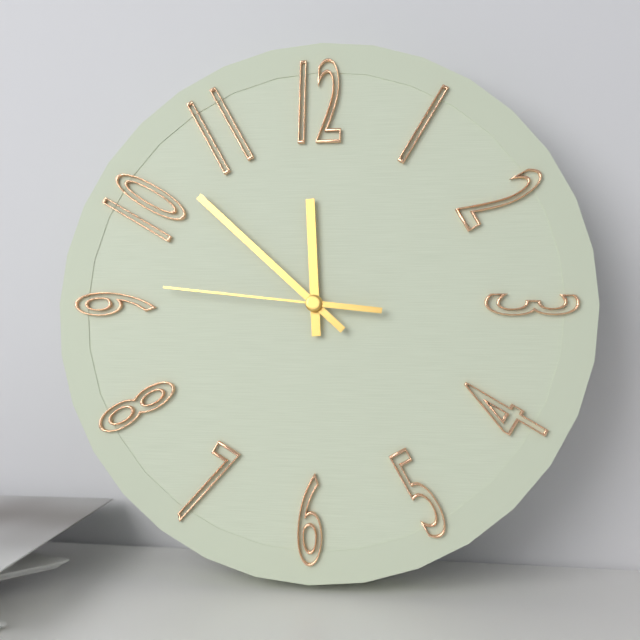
**11:52:46**
